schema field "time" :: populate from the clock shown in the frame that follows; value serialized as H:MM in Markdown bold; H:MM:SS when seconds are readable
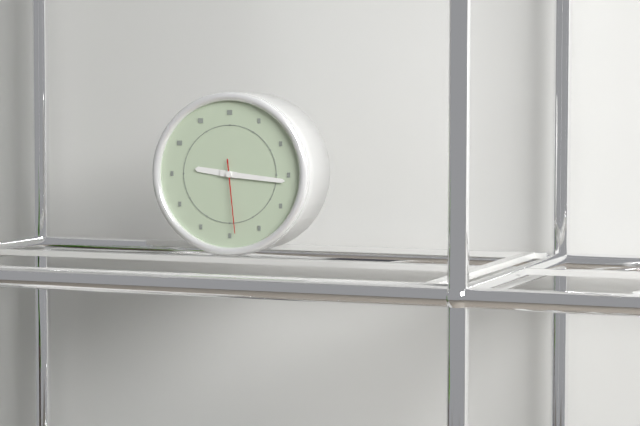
**9:16:29**
